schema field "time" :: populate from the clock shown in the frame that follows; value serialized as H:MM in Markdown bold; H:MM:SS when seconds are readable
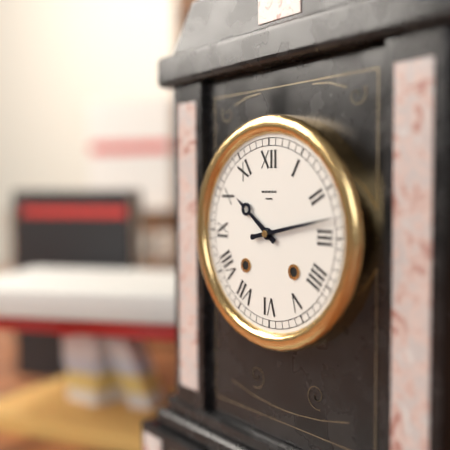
**10:13**
